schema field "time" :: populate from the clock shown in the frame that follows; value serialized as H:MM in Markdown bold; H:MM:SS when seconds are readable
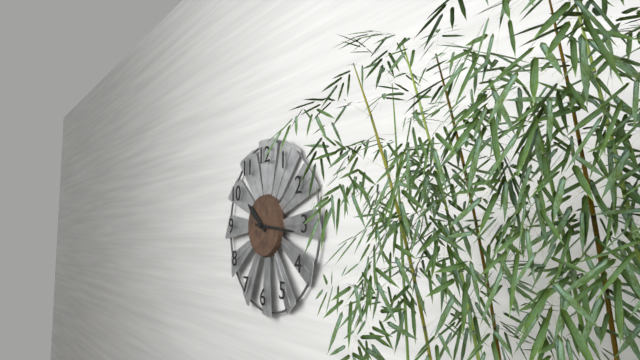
**10:16**
